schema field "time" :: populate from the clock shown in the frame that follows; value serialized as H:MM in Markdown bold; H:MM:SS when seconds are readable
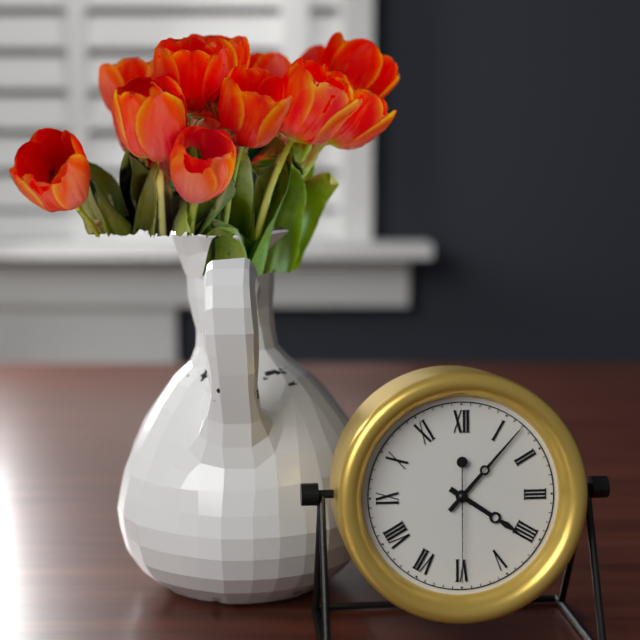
**4:07:30**
